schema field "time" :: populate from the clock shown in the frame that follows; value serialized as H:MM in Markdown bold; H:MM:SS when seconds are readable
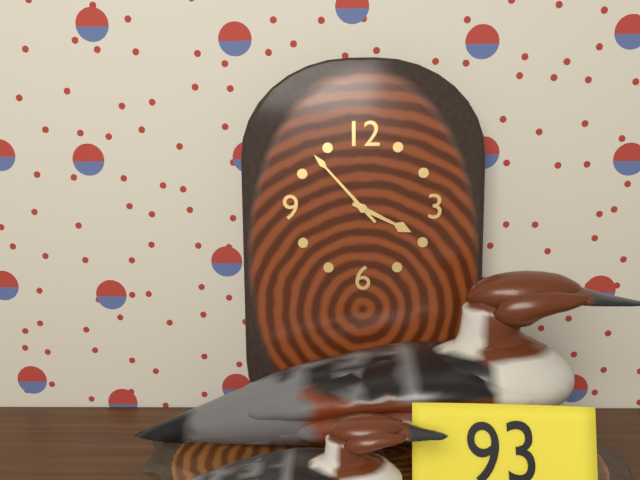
**3:53**
